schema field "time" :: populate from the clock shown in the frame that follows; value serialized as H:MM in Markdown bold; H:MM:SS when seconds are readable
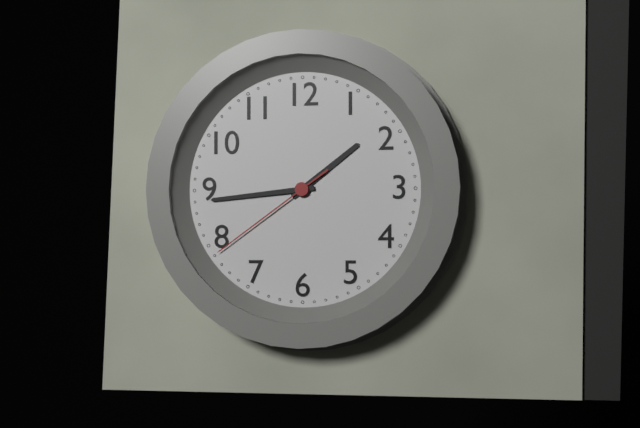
**1:44:39**
